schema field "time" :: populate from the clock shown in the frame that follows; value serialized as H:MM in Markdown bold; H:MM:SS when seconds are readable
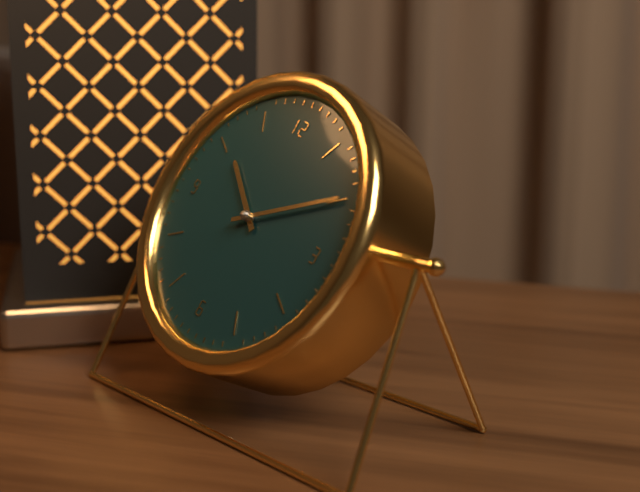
**10:10**
